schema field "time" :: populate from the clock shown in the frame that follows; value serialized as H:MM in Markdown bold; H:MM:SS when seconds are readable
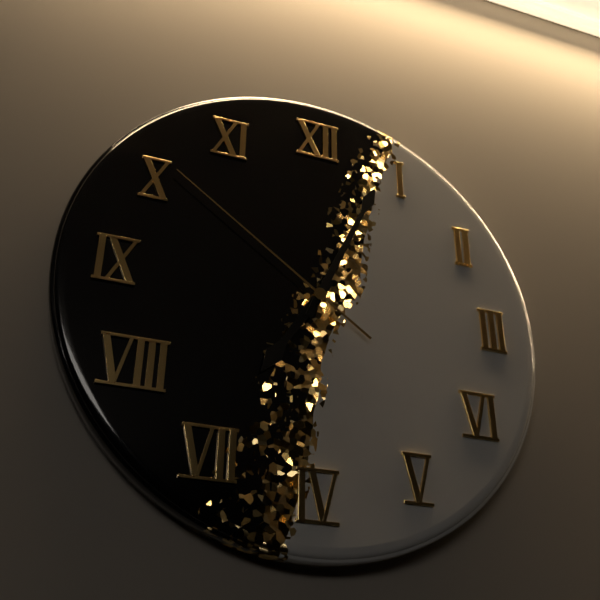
**7:04:51**
